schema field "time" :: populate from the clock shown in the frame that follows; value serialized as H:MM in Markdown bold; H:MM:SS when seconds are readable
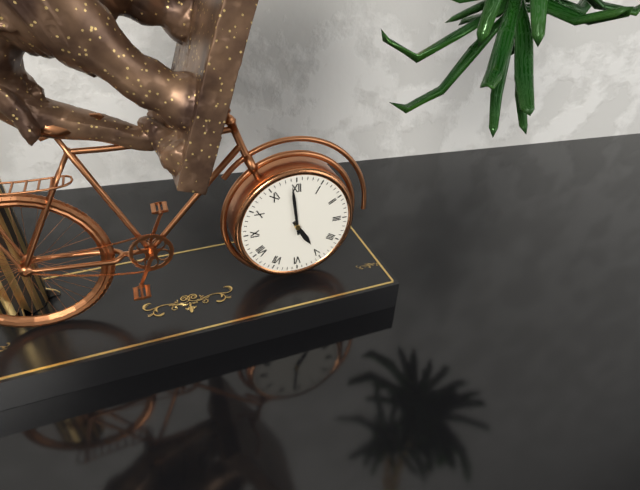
**4:59**
